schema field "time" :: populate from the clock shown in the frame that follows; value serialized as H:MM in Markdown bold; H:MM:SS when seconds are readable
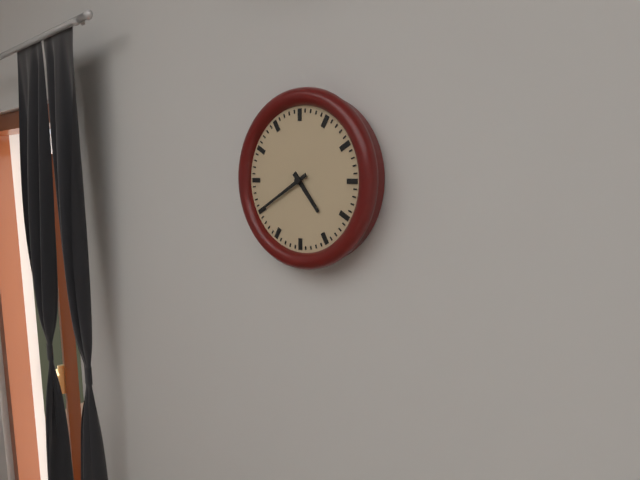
**4:40**
